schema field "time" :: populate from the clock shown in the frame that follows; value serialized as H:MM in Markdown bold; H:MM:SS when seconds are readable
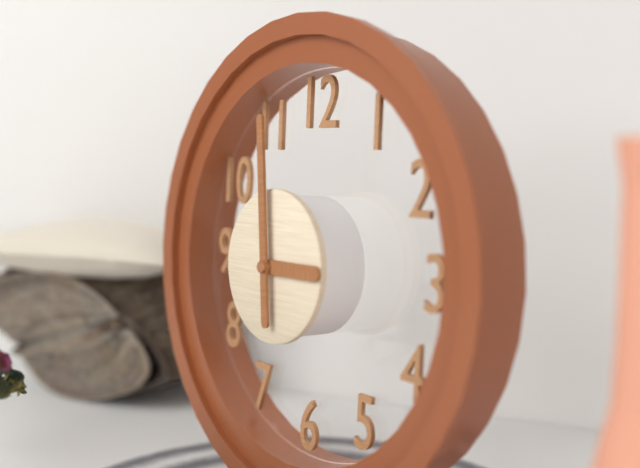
**2:59**
